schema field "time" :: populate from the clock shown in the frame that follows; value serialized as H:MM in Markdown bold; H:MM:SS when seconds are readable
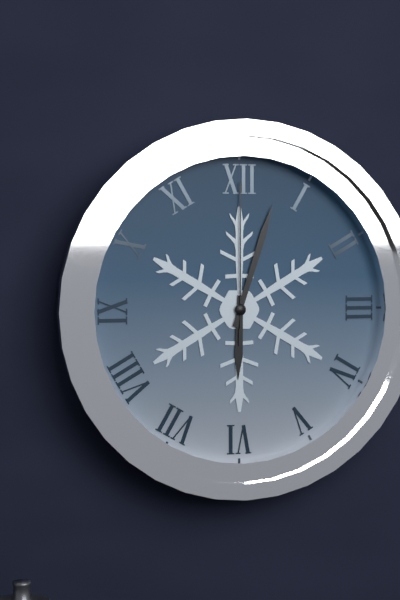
**6:03:00**
